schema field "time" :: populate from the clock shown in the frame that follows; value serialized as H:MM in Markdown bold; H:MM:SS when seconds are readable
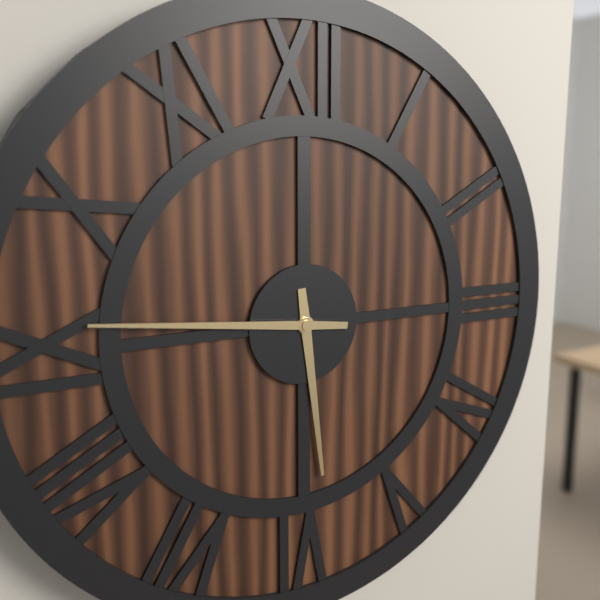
**5:46**
